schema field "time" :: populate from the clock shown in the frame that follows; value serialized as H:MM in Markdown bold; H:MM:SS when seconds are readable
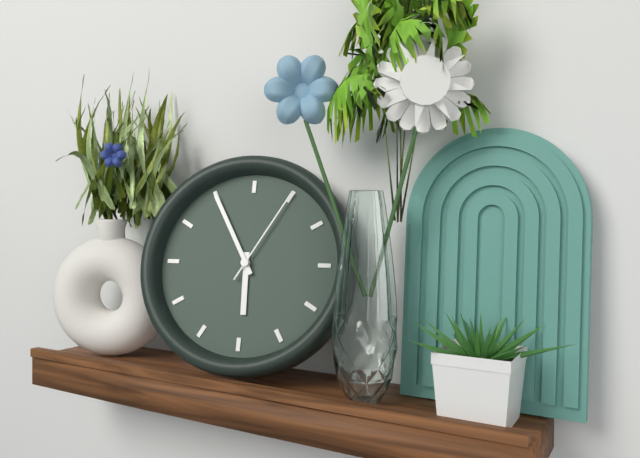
**5:55:05**
